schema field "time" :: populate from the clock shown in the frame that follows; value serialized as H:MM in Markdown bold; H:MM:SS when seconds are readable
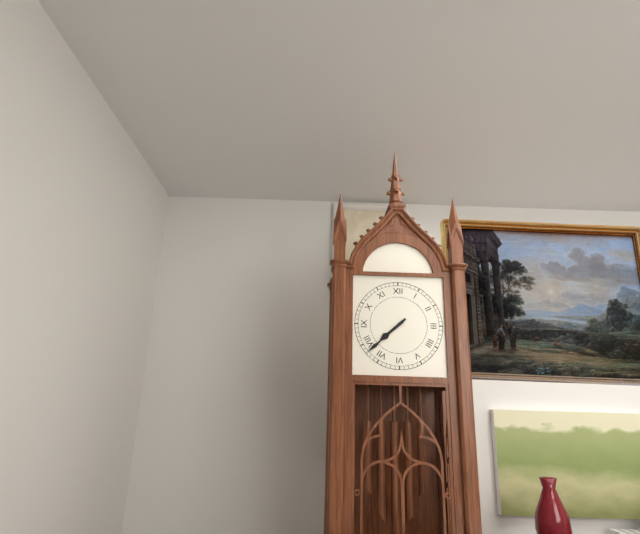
**7:38**
